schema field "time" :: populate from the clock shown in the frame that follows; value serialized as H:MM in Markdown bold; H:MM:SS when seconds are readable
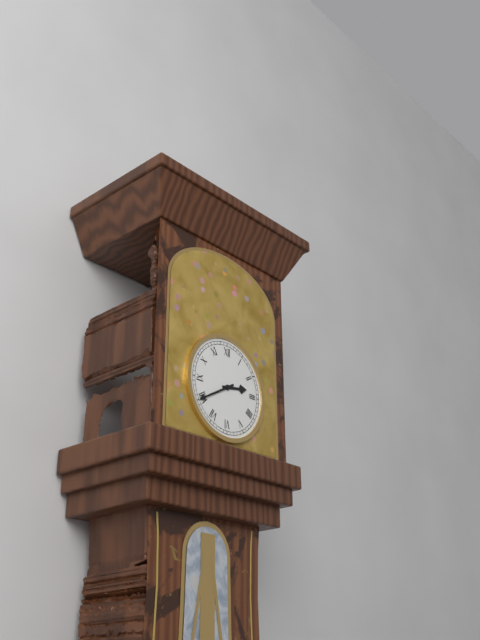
**2:40**
